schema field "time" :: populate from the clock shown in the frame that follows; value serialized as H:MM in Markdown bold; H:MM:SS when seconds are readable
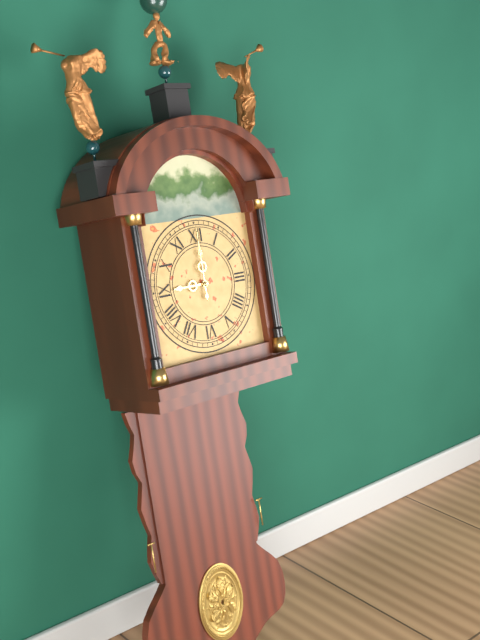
**9:00**
